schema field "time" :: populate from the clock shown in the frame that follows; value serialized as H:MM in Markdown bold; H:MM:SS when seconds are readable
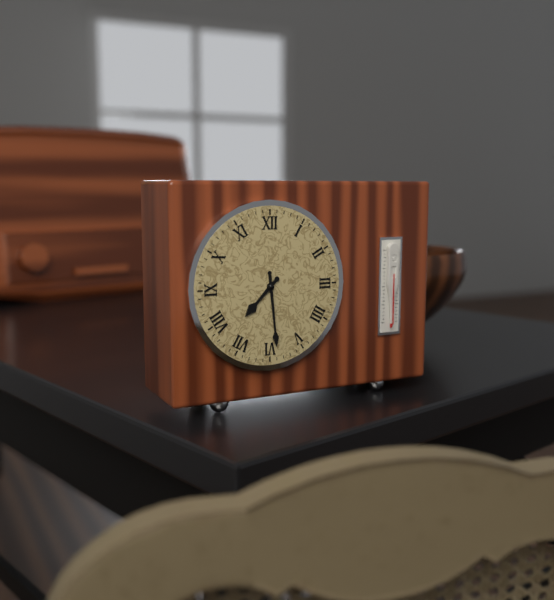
**7:29**
